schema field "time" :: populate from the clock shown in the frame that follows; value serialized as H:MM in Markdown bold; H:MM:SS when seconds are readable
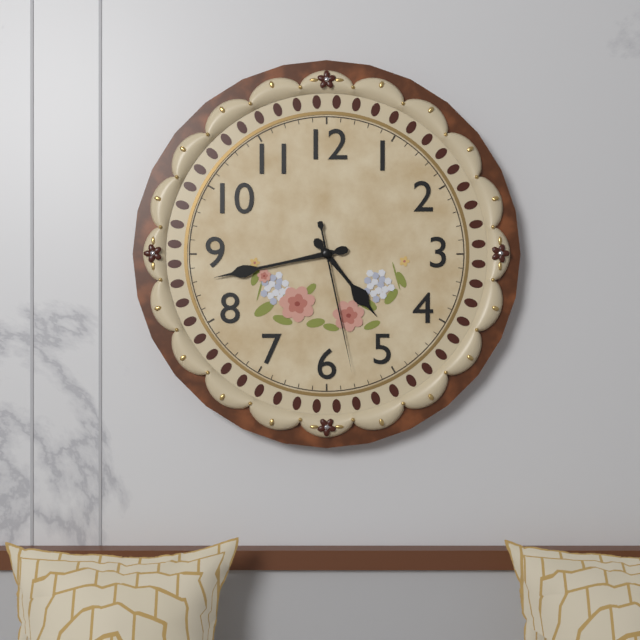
**4:43:28**
